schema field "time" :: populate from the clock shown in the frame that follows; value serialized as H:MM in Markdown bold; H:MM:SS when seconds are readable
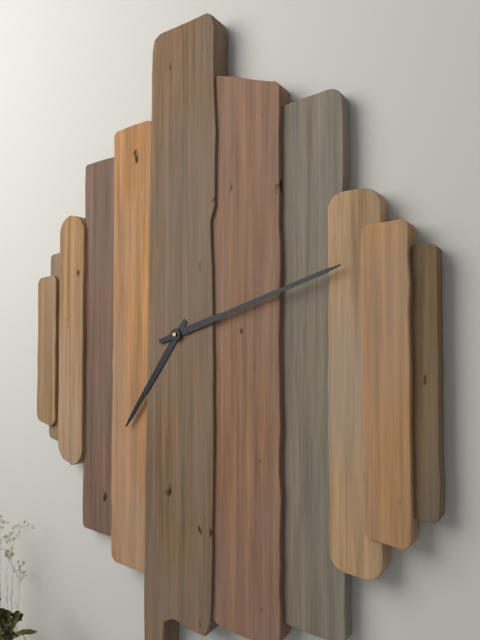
**7:12**
